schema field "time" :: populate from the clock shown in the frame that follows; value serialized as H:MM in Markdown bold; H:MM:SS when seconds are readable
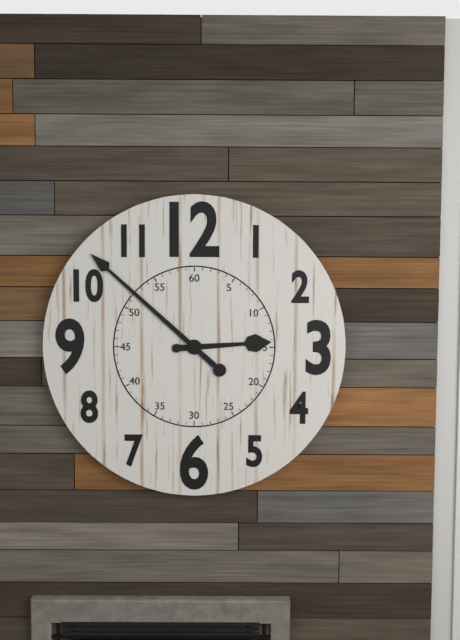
**2:52**
